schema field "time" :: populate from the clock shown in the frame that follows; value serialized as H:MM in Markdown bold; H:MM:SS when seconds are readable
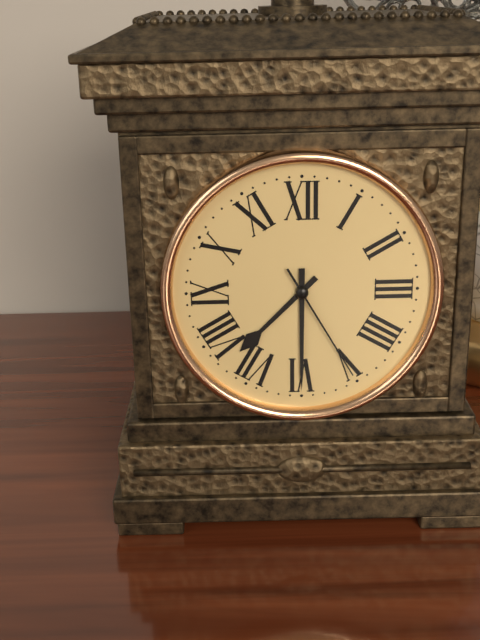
**7:30:25**
